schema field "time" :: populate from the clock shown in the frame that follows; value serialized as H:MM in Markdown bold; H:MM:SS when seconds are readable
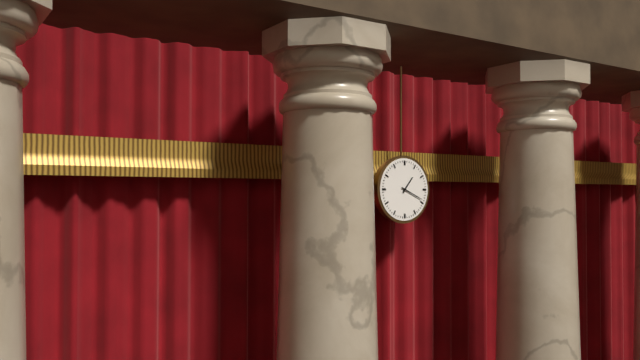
**1:19**
